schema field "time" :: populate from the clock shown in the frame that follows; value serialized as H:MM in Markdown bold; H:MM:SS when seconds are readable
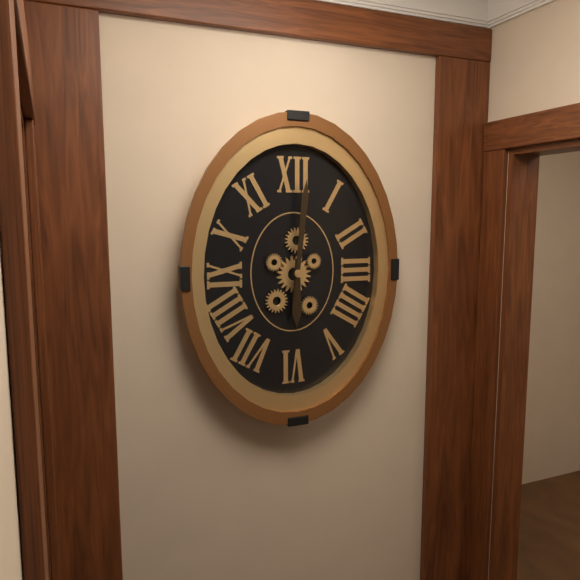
**6:01**
